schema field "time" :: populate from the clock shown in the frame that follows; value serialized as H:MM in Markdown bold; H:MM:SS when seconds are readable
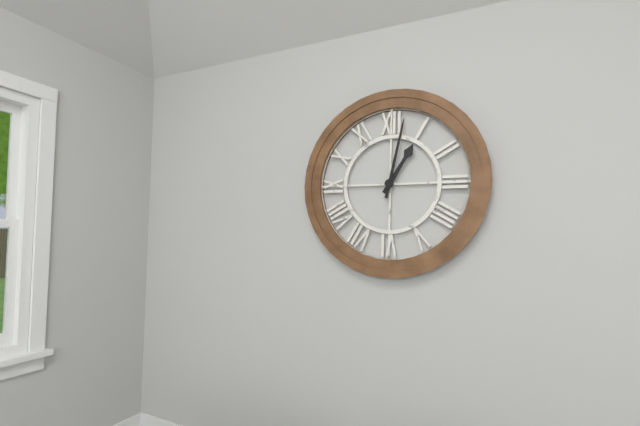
**1:02**
